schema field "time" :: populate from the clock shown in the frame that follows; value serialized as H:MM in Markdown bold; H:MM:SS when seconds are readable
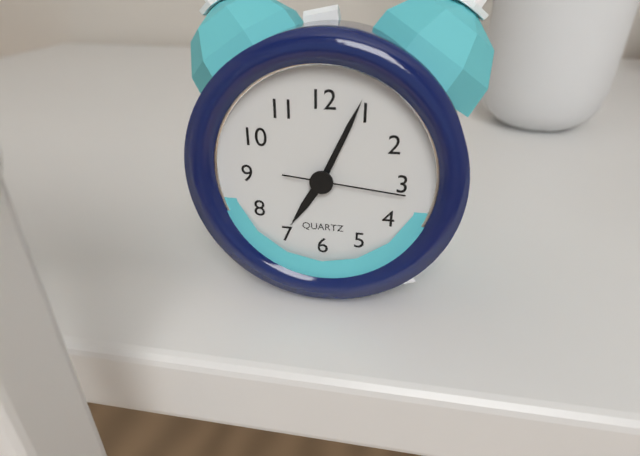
**7:04:16**
